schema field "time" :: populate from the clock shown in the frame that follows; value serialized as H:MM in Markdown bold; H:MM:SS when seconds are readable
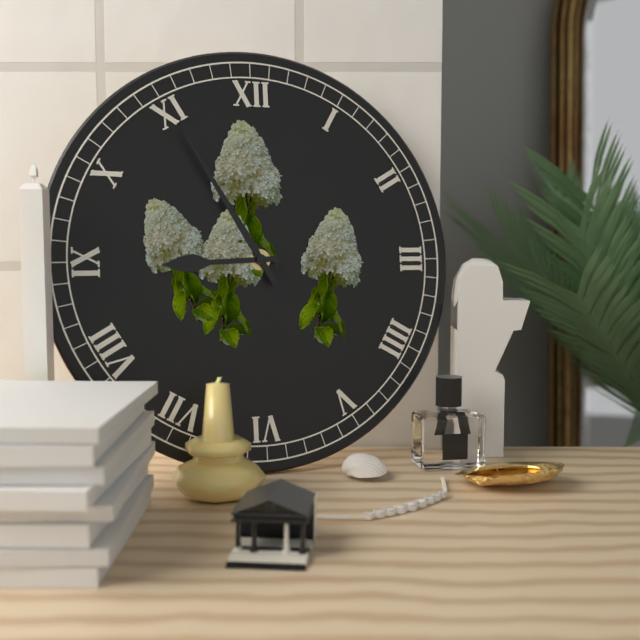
**8:55**
